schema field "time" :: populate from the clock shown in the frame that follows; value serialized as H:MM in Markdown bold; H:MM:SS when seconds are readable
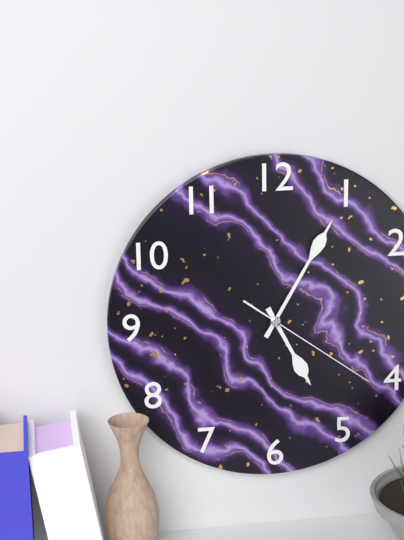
**5:05:21**
